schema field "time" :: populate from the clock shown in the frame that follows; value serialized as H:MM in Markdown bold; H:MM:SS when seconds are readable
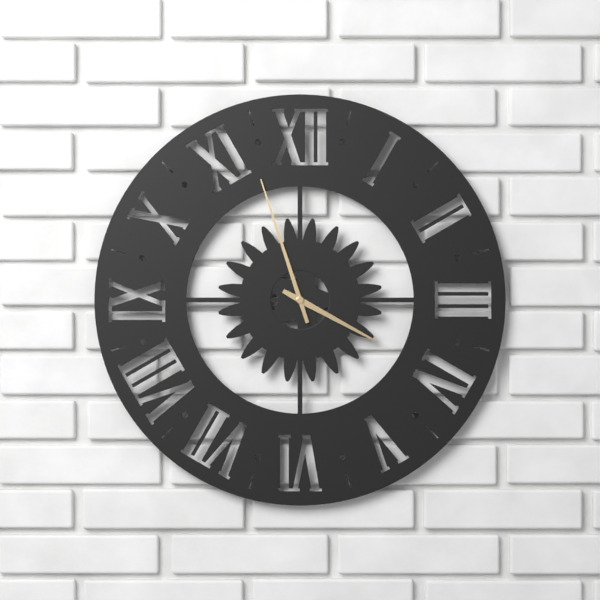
**3:57**
